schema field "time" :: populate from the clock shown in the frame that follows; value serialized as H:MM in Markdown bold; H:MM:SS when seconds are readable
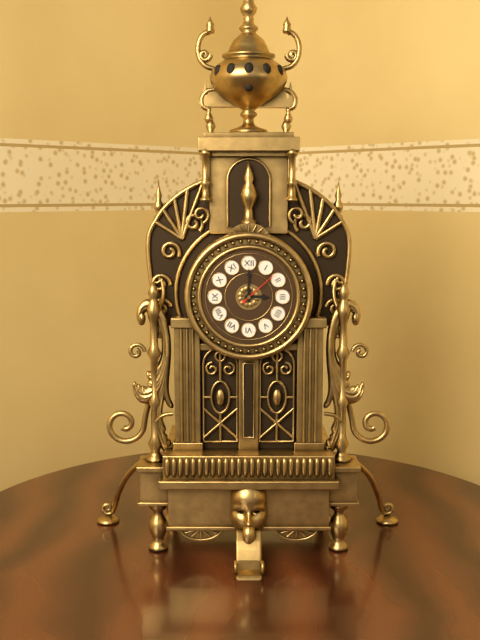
**3:00**
